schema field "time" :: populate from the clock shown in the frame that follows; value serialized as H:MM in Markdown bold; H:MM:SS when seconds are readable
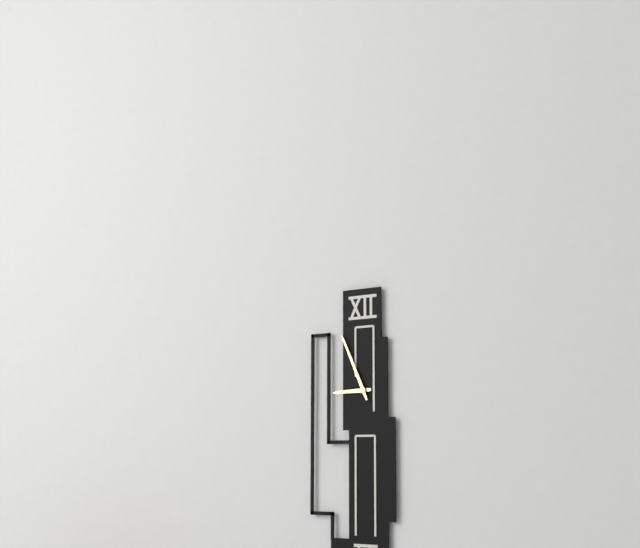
**8:56**
